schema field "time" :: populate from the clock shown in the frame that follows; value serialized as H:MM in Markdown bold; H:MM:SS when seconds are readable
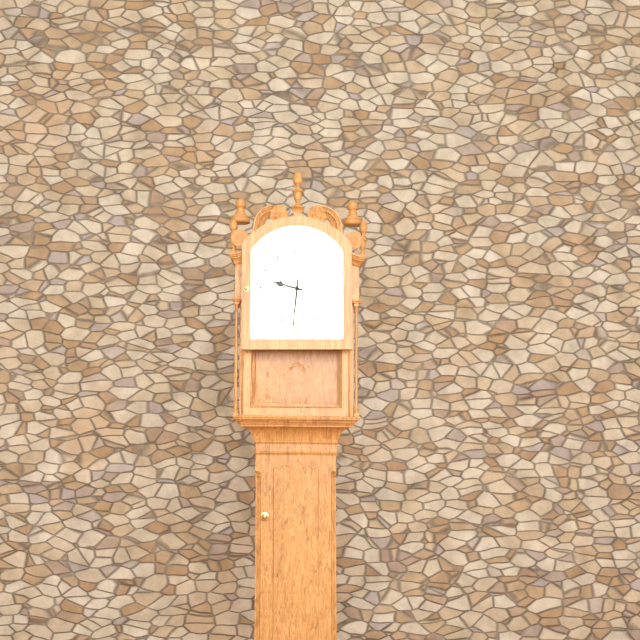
**9:31**
